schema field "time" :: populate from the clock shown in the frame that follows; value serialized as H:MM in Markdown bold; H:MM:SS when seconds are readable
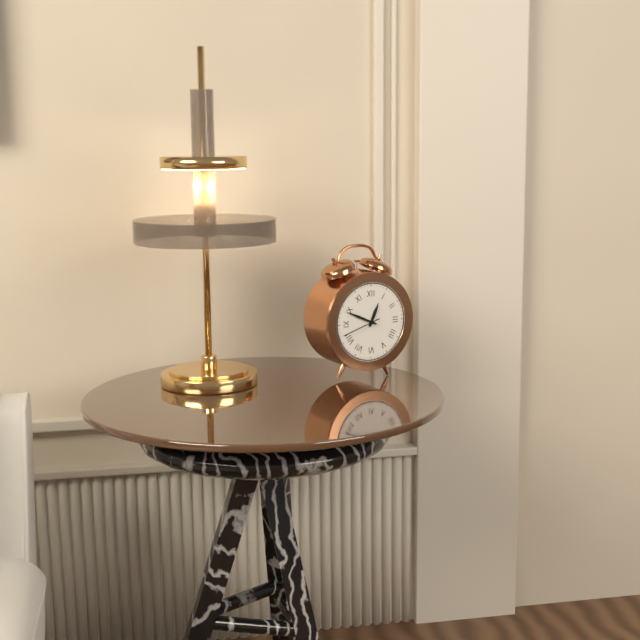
**12:49**
